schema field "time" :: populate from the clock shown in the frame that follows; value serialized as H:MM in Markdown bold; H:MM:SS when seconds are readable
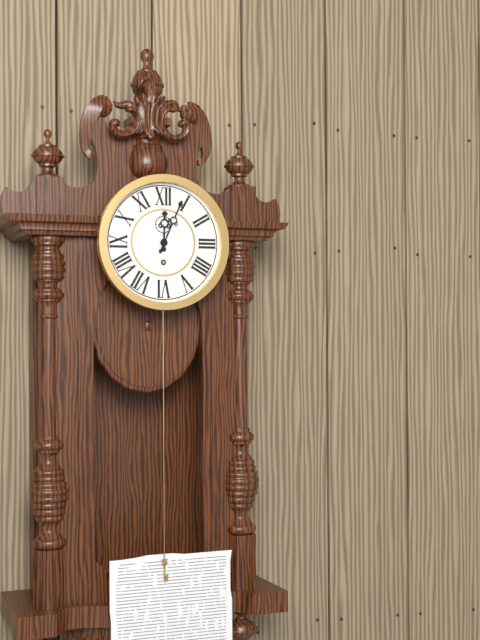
**12:04**
